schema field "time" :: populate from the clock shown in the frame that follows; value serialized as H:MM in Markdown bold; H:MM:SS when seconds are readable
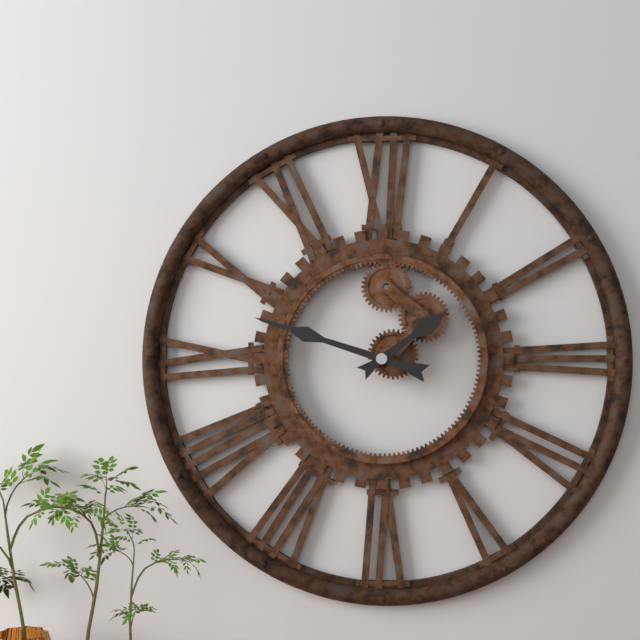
**1:48**
